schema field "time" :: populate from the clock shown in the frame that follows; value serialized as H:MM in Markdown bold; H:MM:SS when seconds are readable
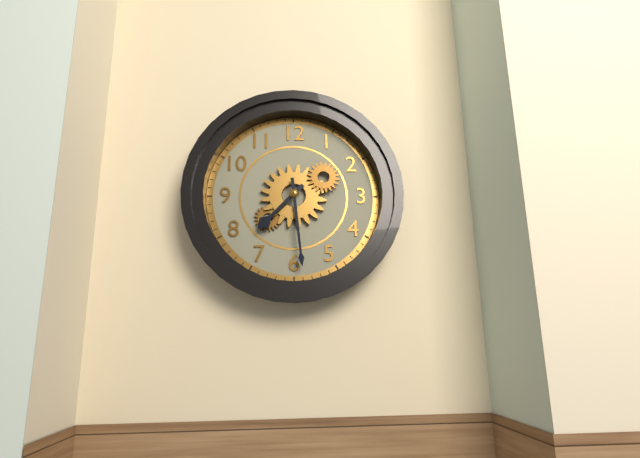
**7:29**
